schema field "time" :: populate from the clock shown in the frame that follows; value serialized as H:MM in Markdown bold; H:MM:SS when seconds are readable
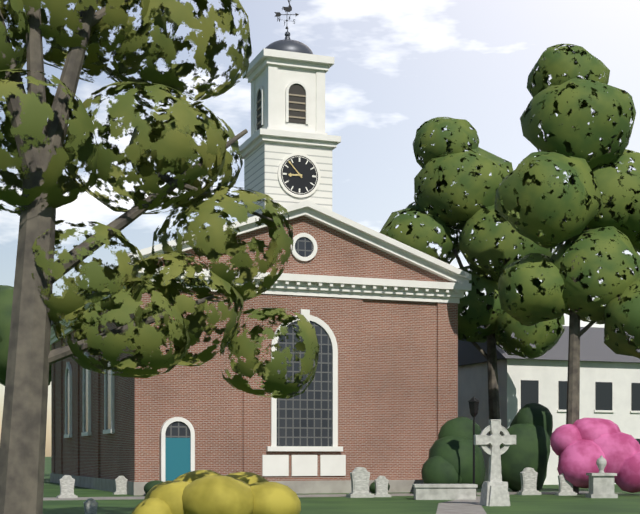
**8:53**
